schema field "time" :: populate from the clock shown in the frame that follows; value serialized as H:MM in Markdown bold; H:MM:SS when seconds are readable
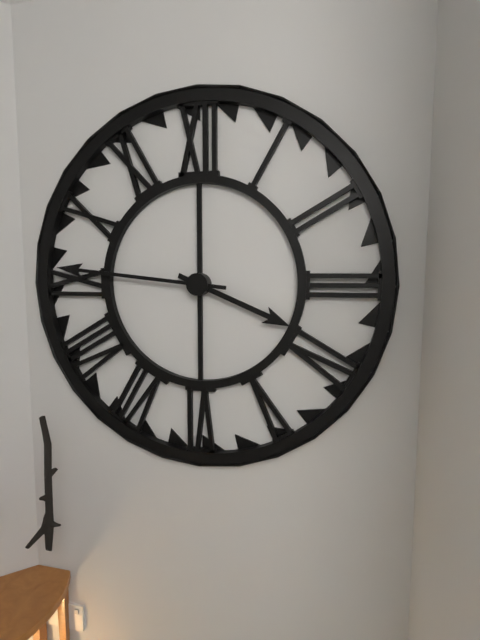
**3:46**
